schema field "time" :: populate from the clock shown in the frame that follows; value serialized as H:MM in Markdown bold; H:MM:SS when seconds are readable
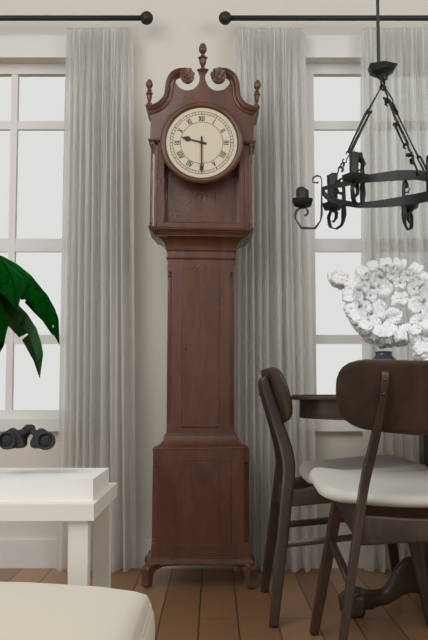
**9:30**
